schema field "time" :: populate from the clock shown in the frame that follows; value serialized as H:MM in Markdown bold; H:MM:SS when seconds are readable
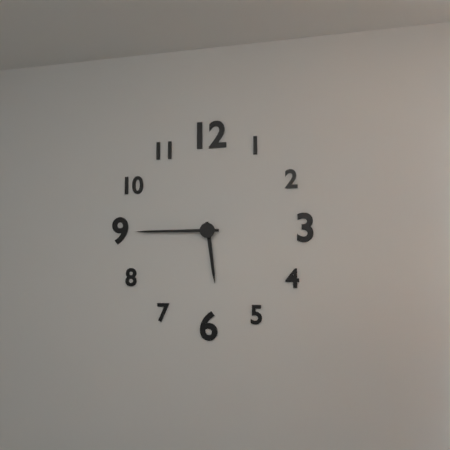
**5:45**
